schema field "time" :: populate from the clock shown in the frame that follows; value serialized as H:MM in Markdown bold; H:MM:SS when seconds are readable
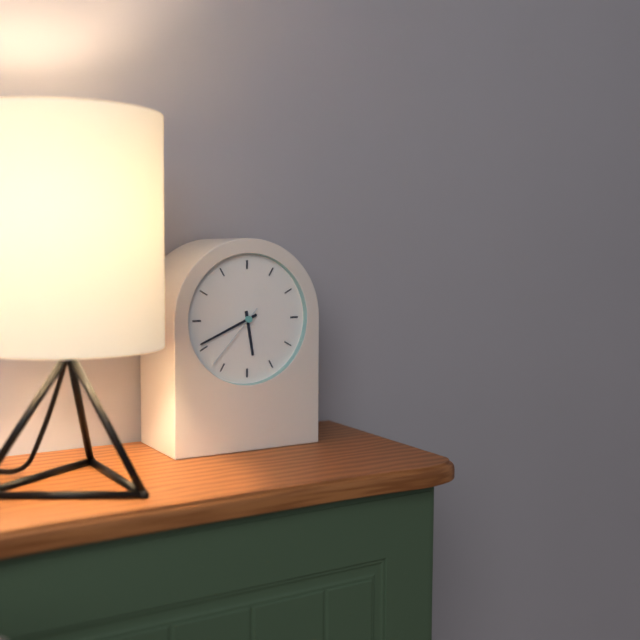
**5:41:37**
